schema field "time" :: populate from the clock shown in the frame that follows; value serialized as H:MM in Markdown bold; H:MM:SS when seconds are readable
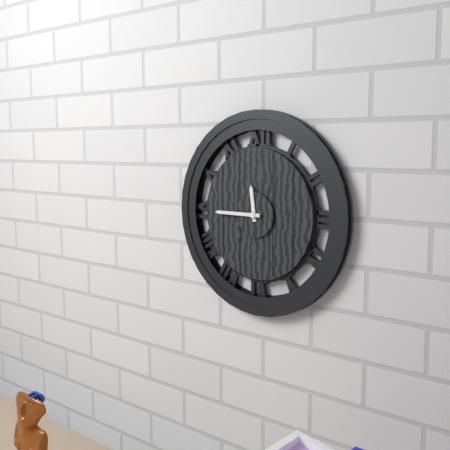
**11:45**
